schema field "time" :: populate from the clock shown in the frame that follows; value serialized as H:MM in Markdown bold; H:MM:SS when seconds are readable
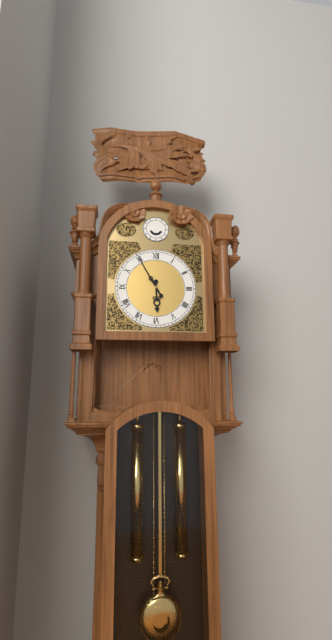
**5:55**
